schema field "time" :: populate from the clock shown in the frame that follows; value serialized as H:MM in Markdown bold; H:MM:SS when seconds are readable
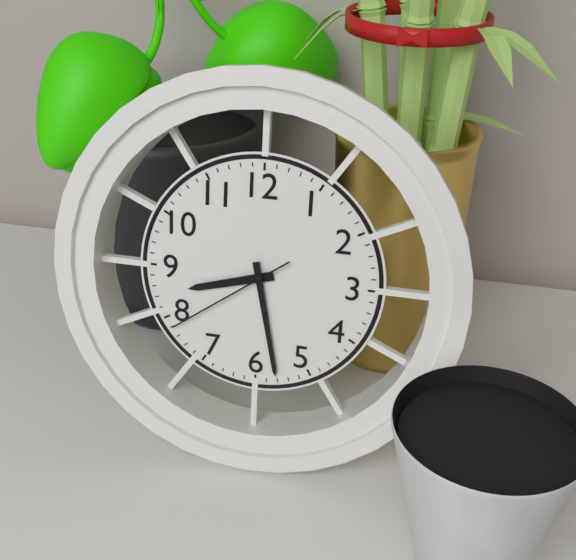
**8:28:39**
